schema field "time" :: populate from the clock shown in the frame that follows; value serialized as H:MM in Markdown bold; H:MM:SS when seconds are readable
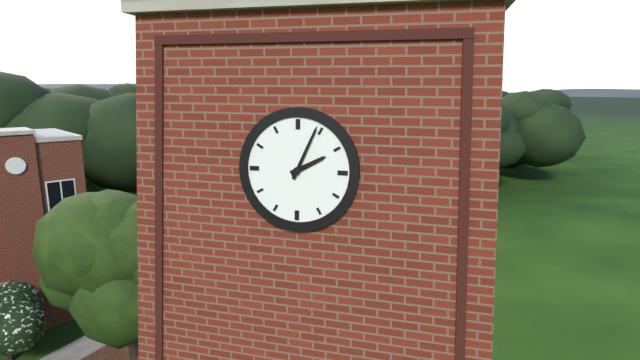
**2:04**
